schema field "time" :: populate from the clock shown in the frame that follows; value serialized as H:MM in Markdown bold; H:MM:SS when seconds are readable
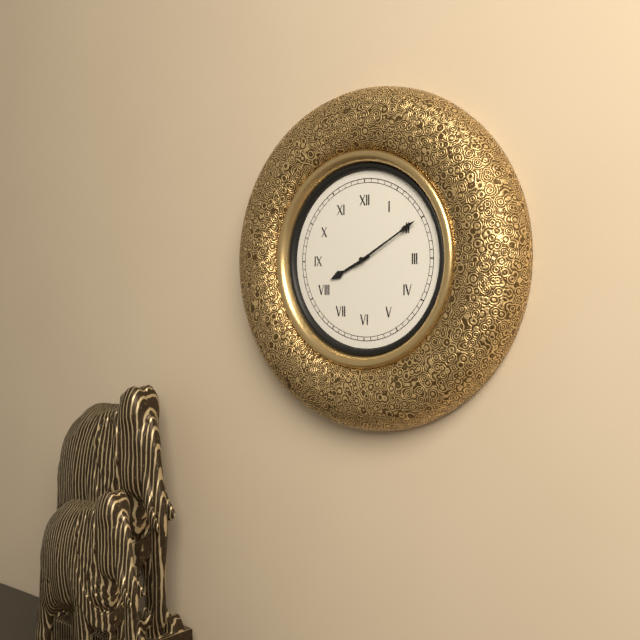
**8:10**
